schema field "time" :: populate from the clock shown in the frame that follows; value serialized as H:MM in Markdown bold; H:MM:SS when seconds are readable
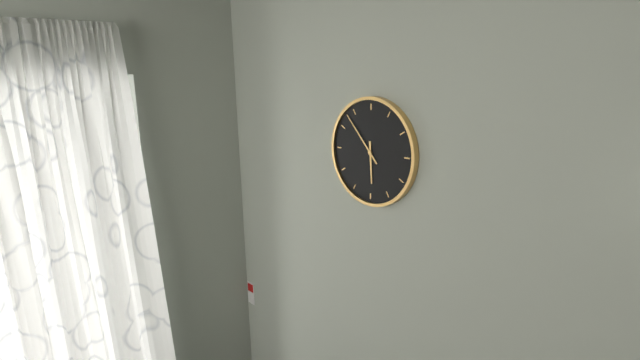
**5:53**
